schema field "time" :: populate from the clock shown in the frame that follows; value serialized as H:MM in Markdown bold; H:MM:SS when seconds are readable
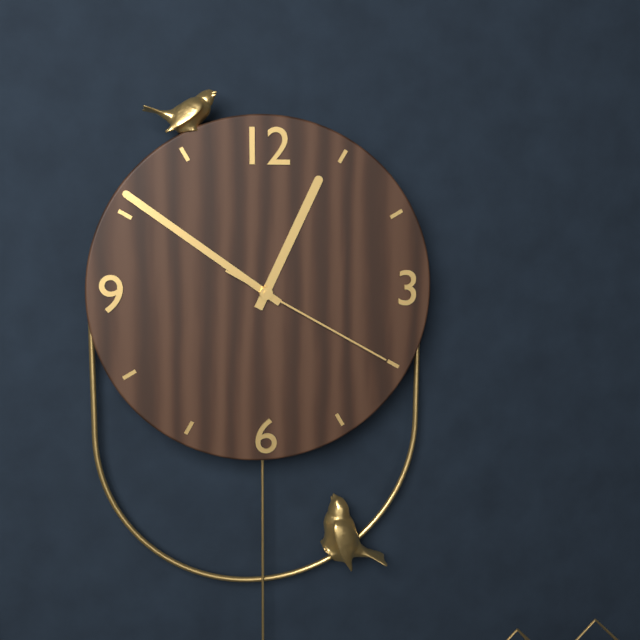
**12:51:20**
